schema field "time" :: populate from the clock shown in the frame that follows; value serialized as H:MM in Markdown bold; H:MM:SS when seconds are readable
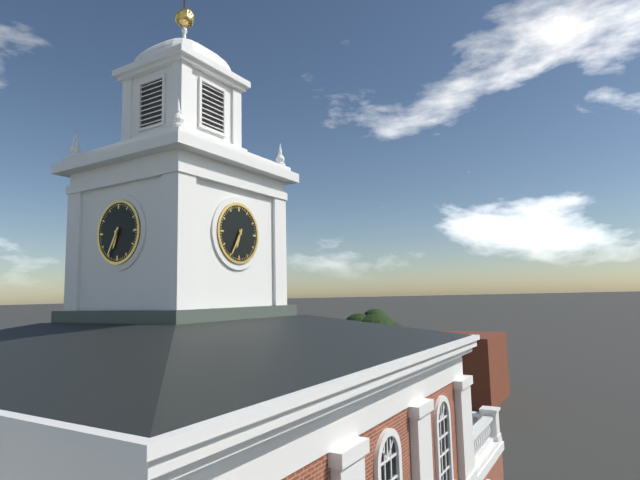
**6:35**
